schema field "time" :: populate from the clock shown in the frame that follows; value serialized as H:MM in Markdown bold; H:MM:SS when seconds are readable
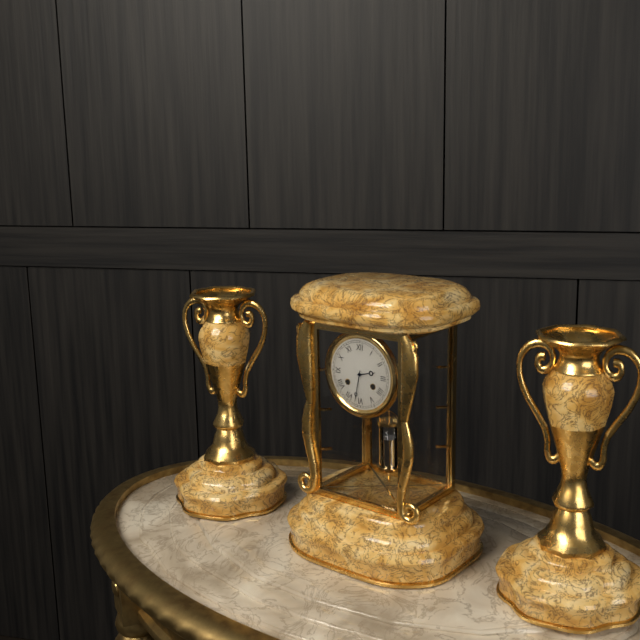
**2:32**
